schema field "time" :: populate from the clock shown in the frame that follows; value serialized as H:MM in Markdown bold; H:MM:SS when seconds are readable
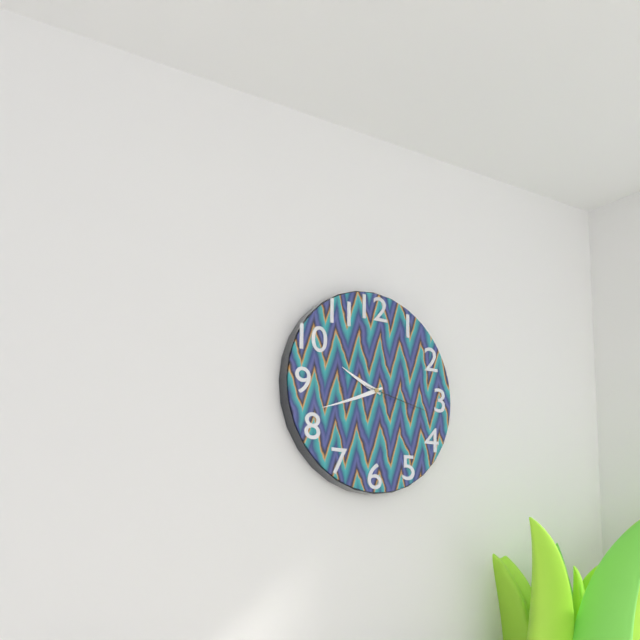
**9:41:17**
